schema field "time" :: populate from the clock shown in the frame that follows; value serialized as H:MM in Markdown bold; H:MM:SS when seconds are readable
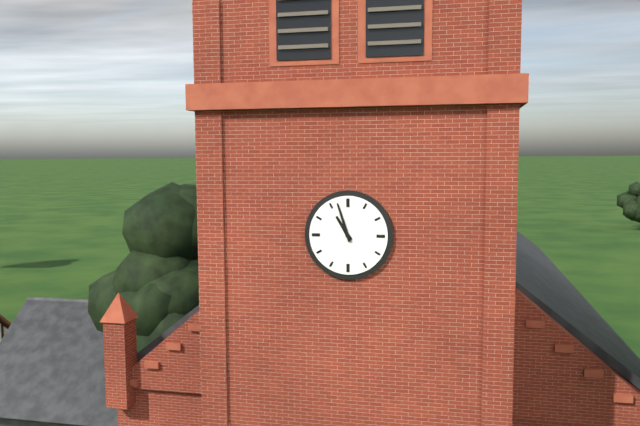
**10:57**
